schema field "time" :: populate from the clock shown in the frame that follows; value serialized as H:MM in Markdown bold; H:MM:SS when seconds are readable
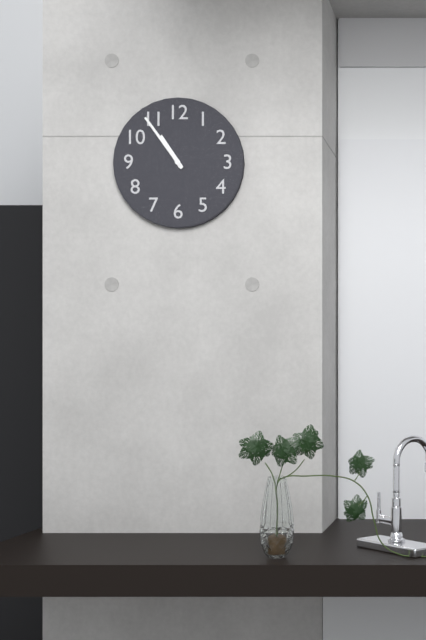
**10:54**
